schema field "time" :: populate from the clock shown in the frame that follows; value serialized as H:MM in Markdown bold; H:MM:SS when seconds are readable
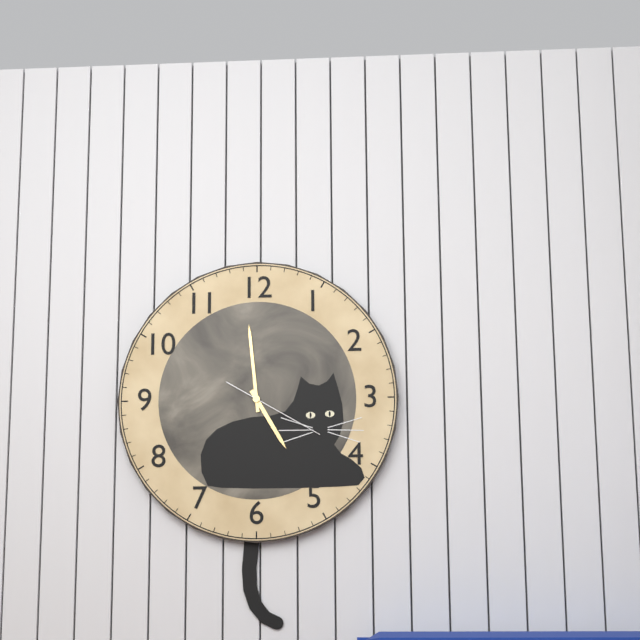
**4:59:20**
